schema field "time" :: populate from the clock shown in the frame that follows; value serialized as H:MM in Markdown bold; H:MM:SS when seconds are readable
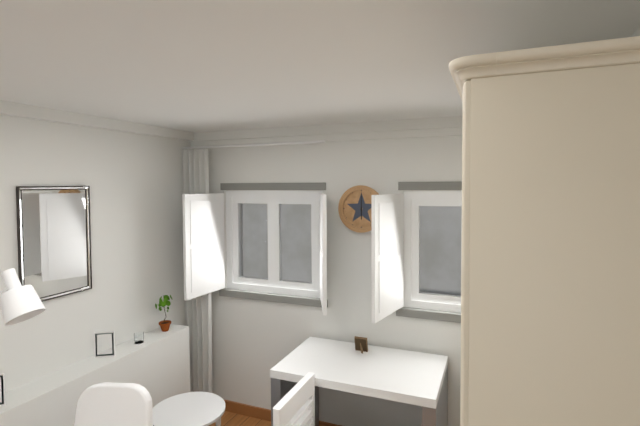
**6:00**
